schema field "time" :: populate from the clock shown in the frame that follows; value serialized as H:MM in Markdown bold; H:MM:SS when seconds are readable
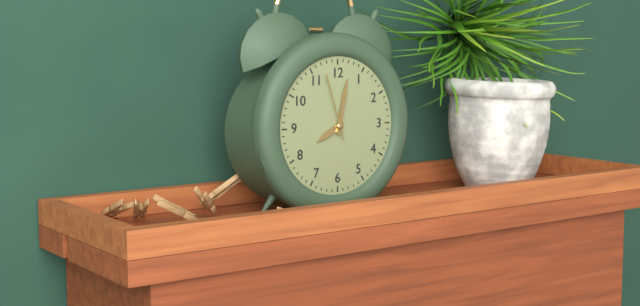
**8:02:57**
